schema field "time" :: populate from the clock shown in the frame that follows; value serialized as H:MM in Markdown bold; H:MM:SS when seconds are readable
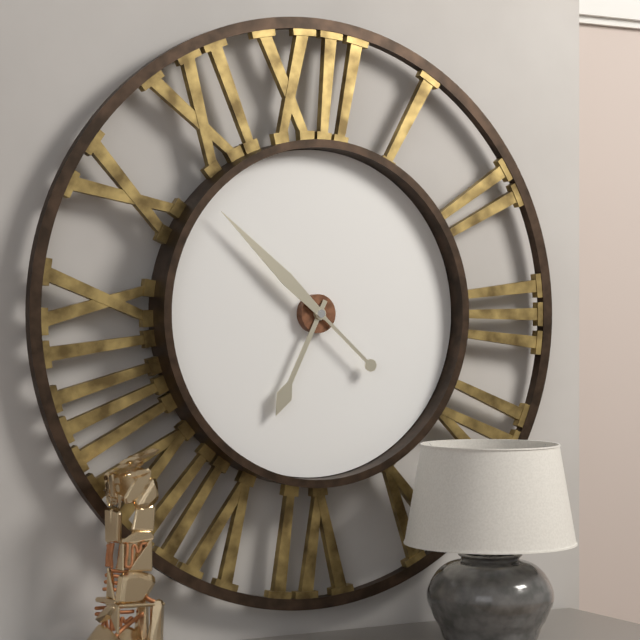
**6:52**
